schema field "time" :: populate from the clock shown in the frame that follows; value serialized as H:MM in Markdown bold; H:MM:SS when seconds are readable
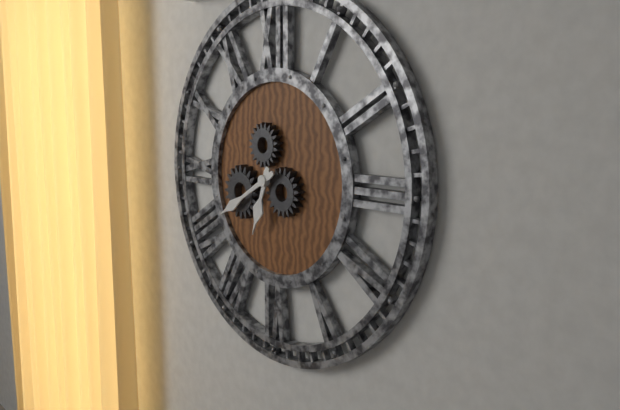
**6:40**
